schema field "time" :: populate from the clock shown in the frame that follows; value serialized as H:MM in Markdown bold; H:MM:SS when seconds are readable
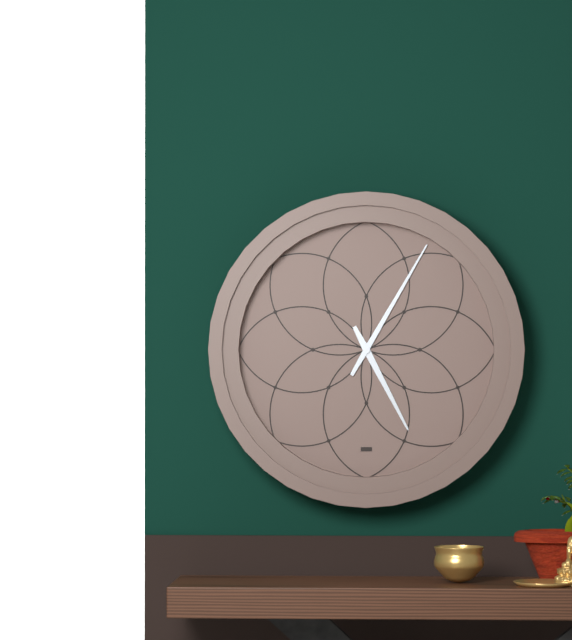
**5:05**
